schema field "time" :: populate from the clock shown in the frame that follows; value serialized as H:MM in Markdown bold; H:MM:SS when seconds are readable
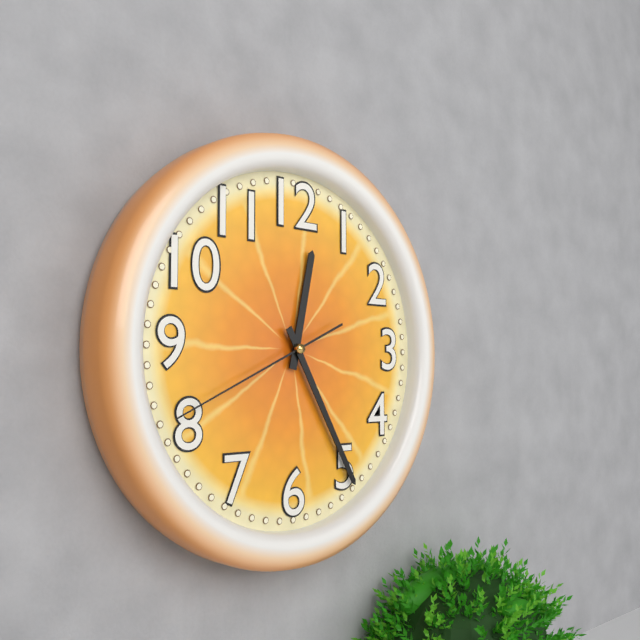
**12:25:41**
